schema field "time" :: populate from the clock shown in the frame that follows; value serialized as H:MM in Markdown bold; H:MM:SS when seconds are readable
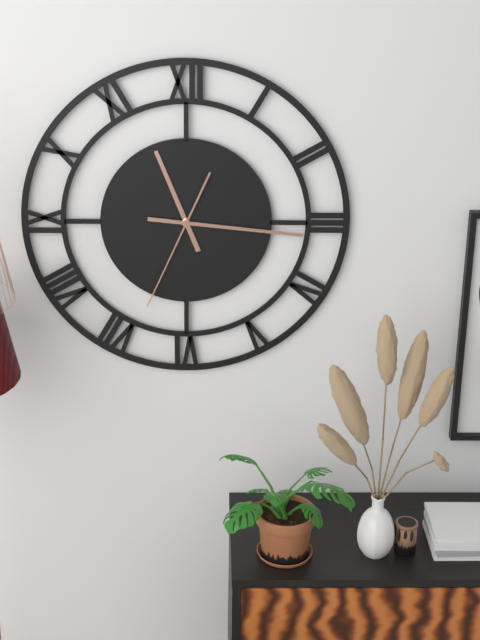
**11:16:34**
